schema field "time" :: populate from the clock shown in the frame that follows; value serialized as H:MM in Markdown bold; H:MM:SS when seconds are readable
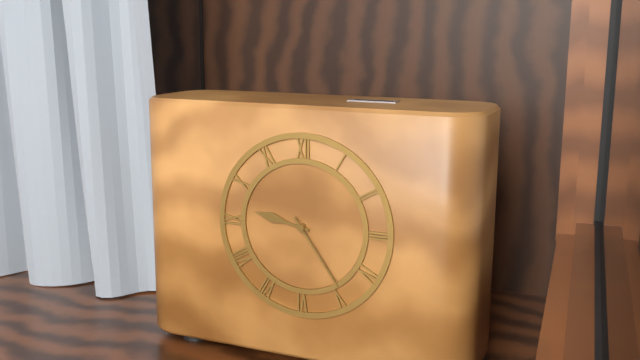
**9:24**
